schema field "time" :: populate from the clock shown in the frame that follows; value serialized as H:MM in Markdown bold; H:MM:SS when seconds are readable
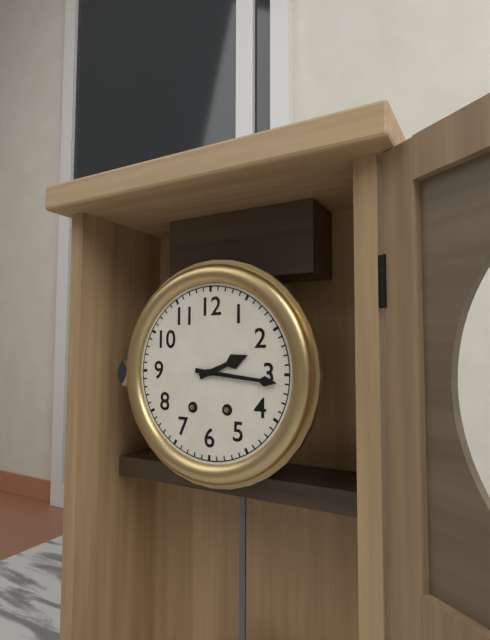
**2:16**
